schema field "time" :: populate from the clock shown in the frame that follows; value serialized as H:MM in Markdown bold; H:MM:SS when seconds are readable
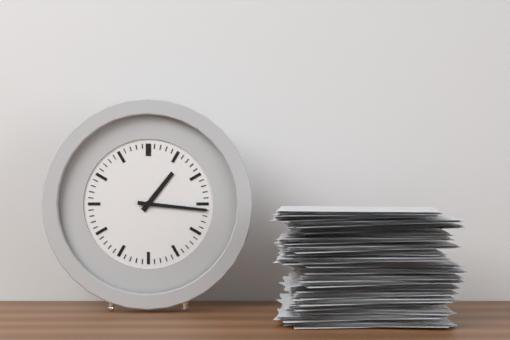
**1:16**
